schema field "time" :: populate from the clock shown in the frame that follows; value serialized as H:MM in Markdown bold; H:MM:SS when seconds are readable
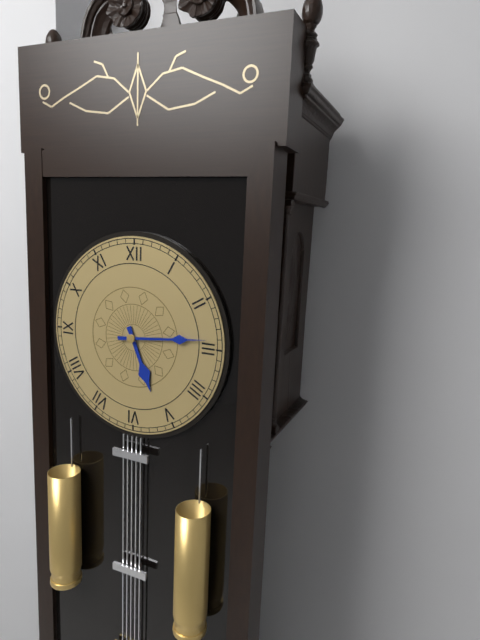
**5:14**
